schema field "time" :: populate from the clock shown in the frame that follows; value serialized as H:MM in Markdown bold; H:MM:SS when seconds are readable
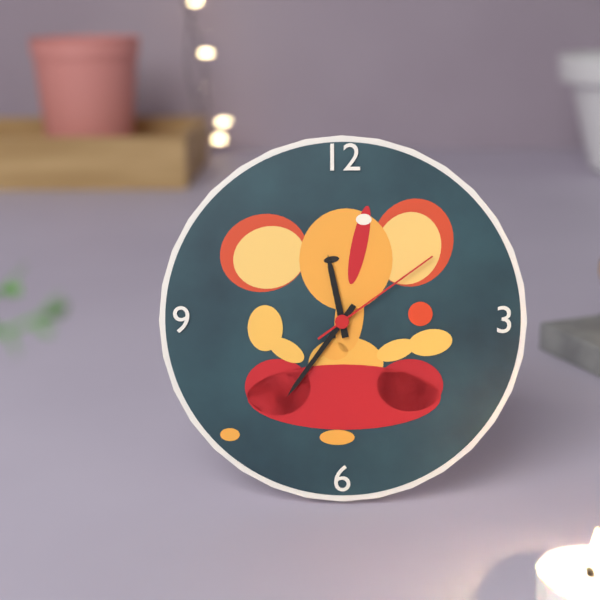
**11:36:09**
